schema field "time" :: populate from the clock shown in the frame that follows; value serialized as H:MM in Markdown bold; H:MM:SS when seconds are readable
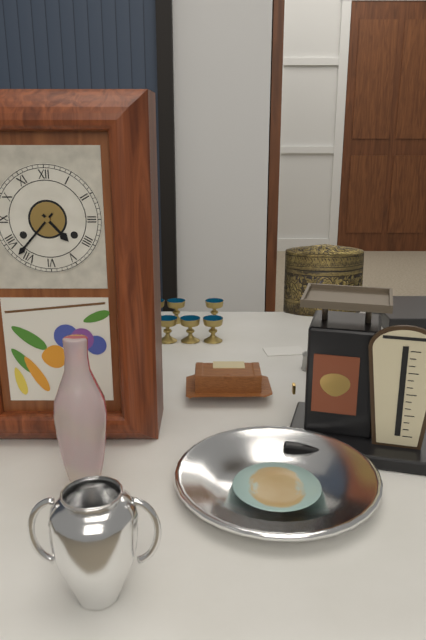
**4:37**
